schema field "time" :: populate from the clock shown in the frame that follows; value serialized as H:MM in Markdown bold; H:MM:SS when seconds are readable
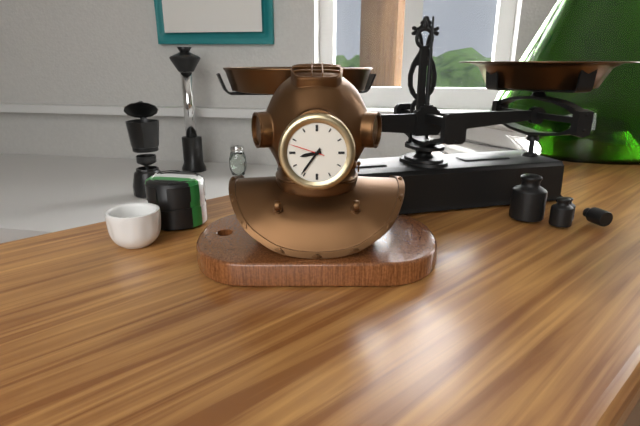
**8:36**
